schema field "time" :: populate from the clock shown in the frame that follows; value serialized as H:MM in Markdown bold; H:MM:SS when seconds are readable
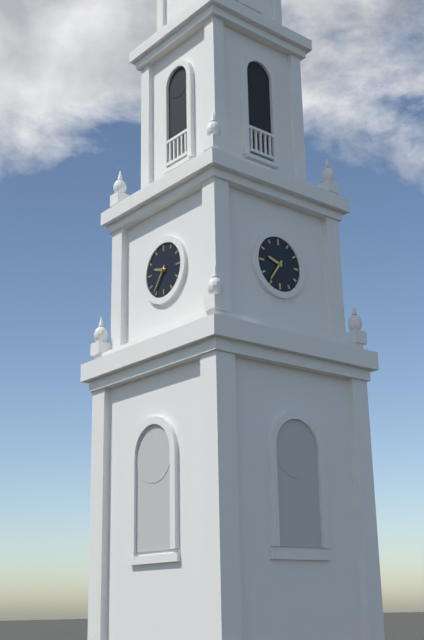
**9:36**
